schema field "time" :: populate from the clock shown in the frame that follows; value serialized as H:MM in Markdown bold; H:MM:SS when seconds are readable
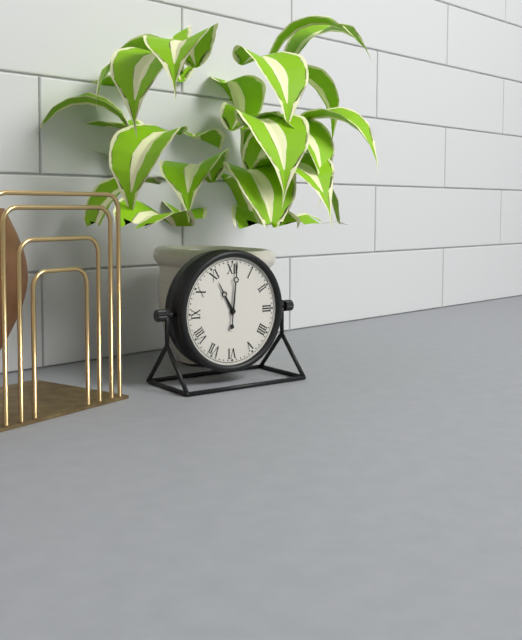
**11:01**
